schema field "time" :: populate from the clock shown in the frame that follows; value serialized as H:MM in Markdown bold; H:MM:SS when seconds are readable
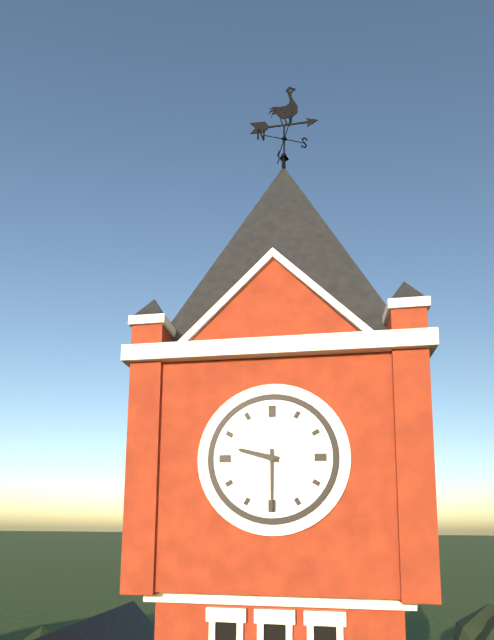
**9:30**
